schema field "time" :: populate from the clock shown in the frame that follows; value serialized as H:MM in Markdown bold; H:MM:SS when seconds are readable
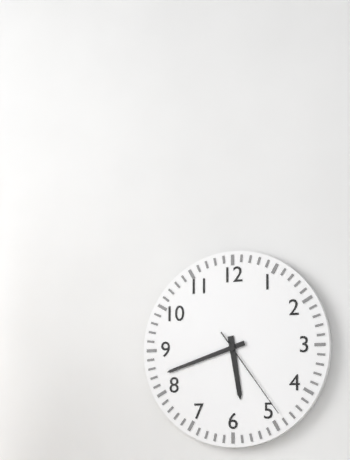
**5:42:24**
